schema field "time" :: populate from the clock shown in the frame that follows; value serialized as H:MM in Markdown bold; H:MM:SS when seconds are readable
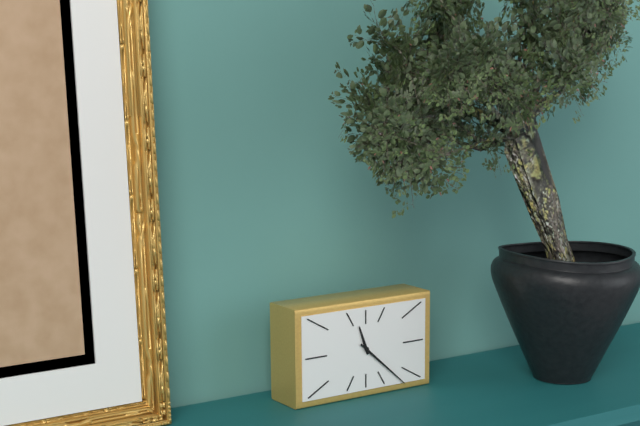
**11:22**
